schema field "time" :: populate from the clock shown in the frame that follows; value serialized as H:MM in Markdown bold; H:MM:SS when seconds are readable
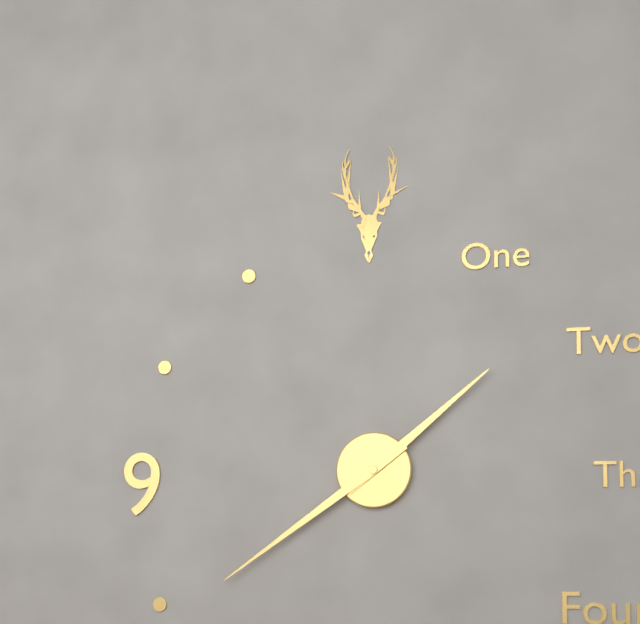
**1:39**
